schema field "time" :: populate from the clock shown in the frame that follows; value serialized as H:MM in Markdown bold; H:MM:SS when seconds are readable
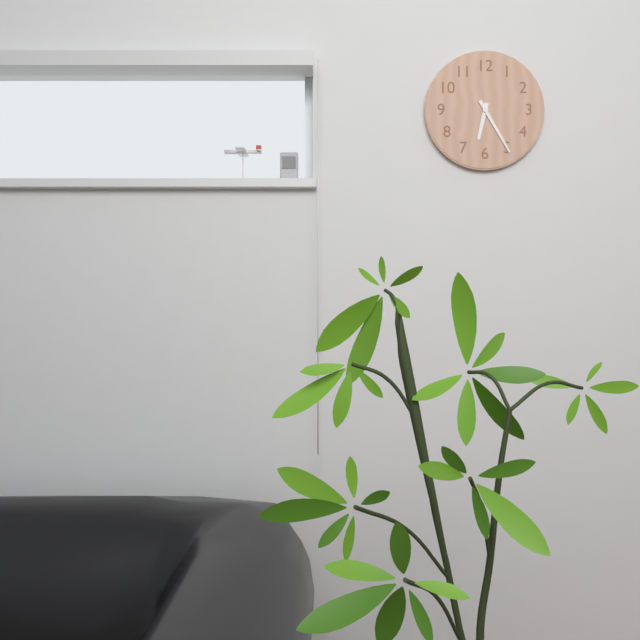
**6:25**
